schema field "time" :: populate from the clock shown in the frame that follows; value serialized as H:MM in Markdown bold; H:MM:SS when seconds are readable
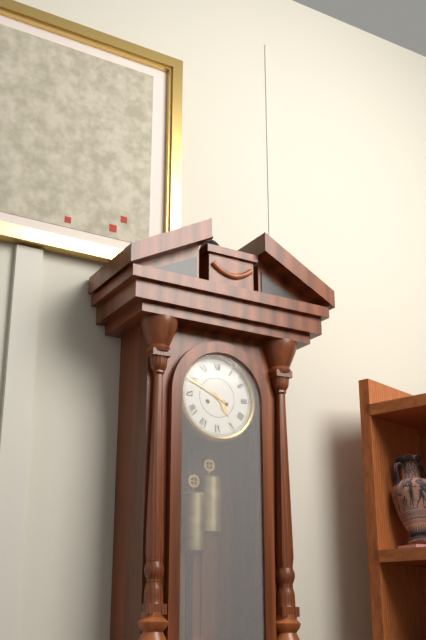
**4:49**
